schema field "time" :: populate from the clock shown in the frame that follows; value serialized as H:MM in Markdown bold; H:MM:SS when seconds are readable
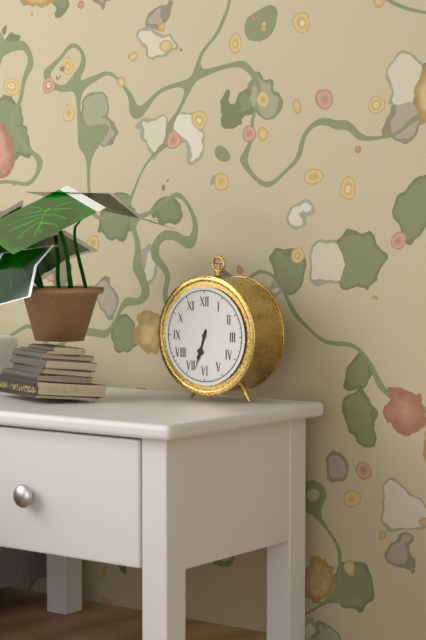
**6:33**
